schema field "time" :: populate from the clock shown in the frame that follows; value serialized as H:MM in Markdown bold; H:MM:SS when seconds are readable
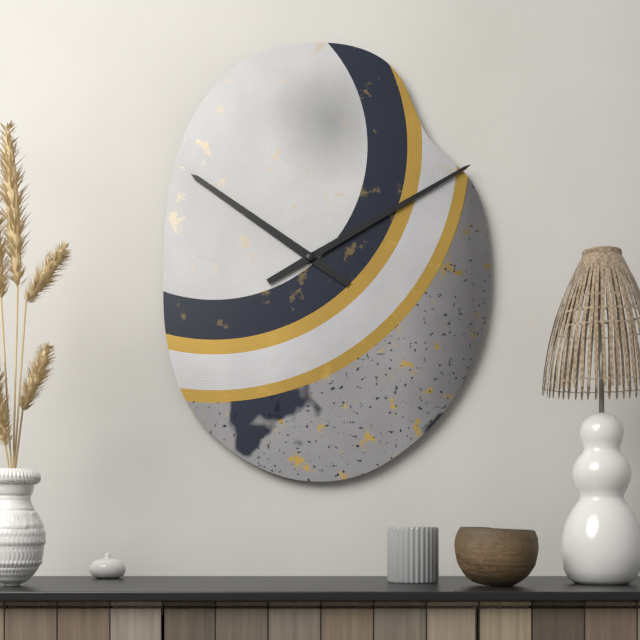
**10:10**
